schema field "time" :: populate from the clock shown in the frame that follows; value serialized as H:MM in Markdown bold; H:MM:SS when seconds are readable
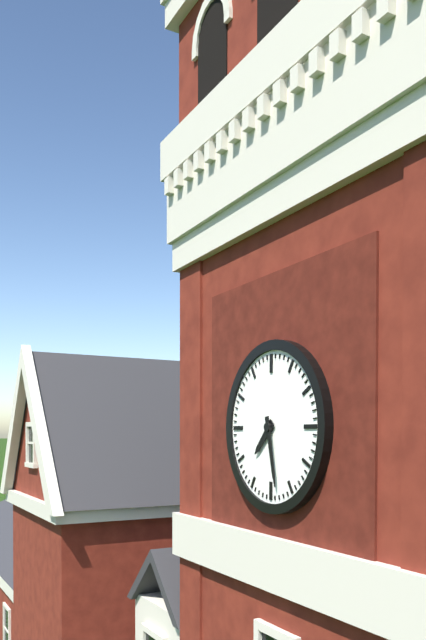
**7:28**
